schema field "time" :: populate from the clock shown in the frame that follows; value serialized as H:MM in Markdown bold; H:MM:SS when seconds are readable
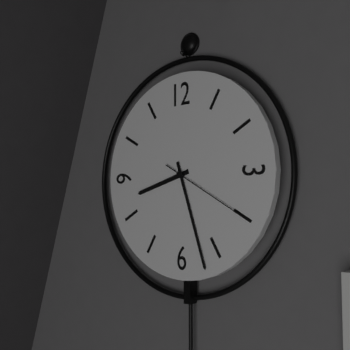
**8:27:20**
